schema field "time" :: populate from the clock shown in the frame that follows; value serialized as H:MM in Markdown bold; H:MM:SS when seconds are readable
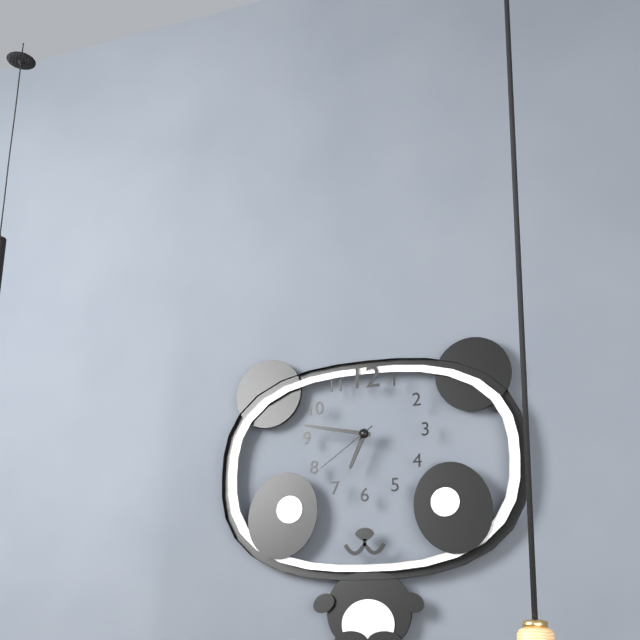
**6:47:39**
